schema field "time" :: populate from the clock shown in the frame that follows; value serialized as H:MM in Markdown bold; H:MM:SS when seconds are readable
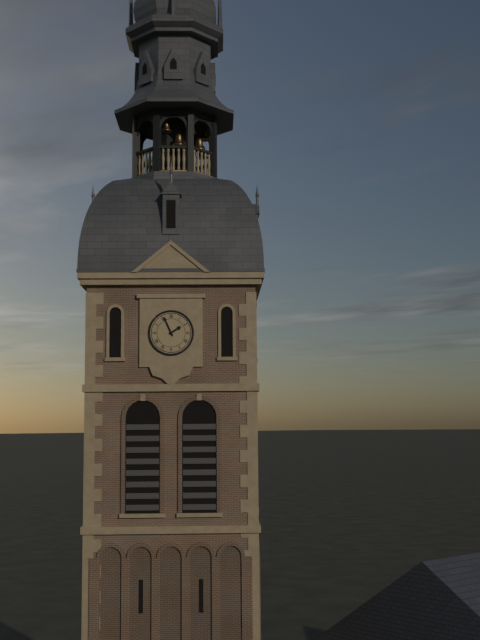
**1:56**
